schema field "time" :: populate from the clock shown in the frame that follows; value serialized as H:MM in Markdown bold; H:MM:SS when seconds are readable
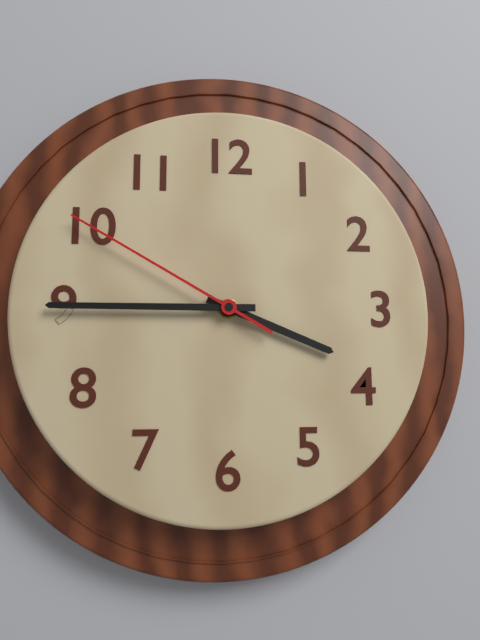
**3:45:50**
